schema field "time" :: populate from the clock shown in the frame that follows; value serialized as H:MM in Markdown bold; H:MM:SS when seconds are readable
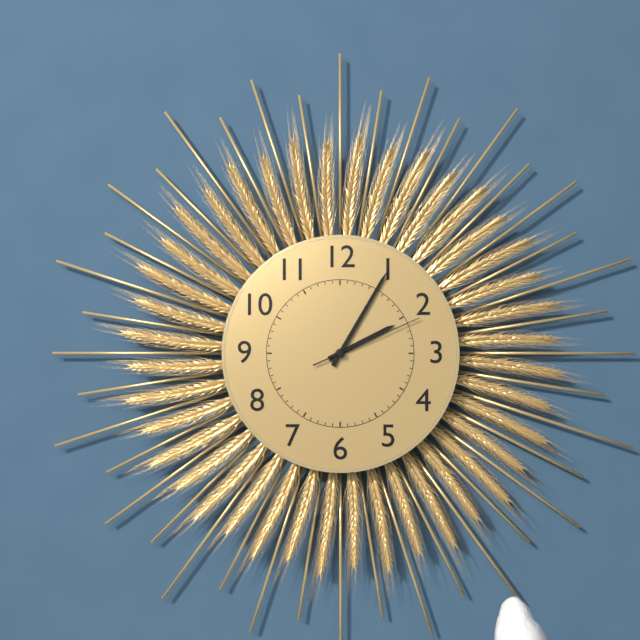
**2:05:11**
